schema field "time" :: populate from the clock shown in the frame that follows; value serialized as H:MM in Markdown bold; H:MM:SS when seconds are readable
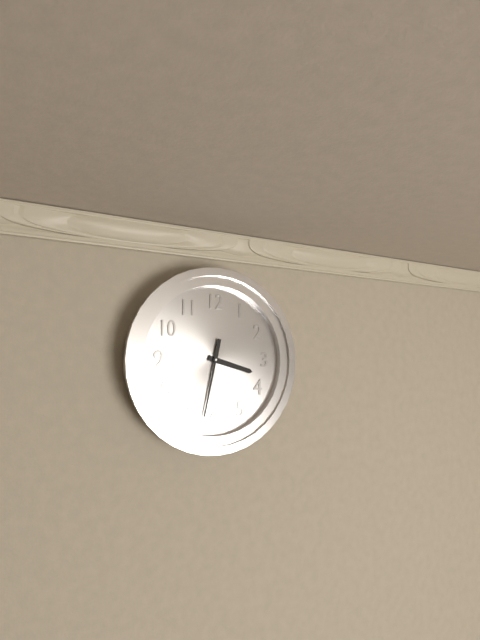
**3:32**
